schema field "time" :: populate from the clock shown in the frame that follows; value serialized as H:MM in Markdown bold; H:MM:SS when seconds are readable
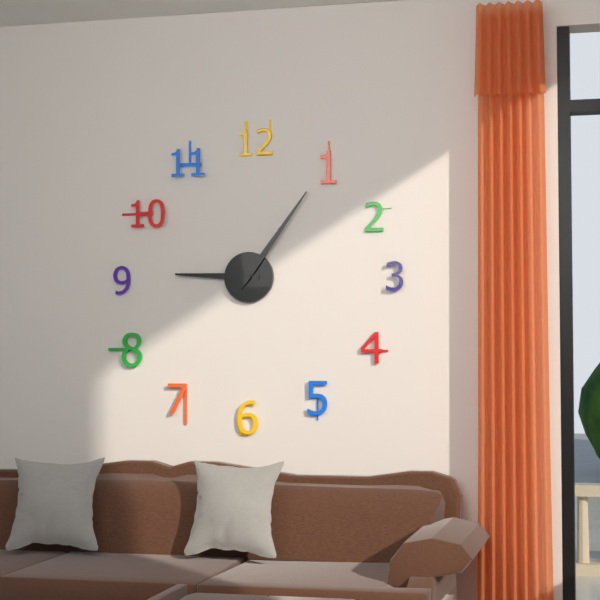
**9:06**
